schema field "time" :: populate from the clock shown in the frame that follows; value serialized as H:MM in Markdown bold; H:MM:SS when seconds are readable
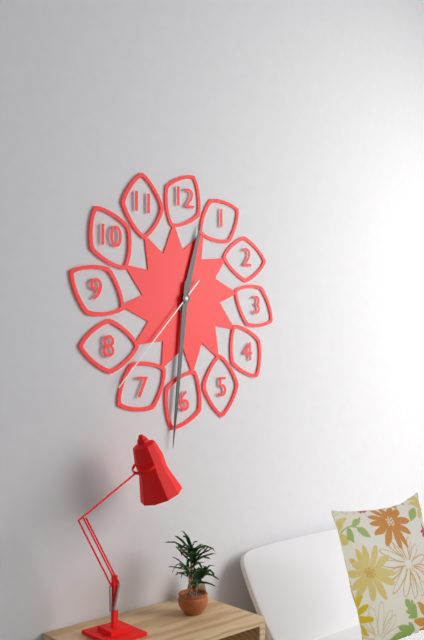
**12:31:37**
